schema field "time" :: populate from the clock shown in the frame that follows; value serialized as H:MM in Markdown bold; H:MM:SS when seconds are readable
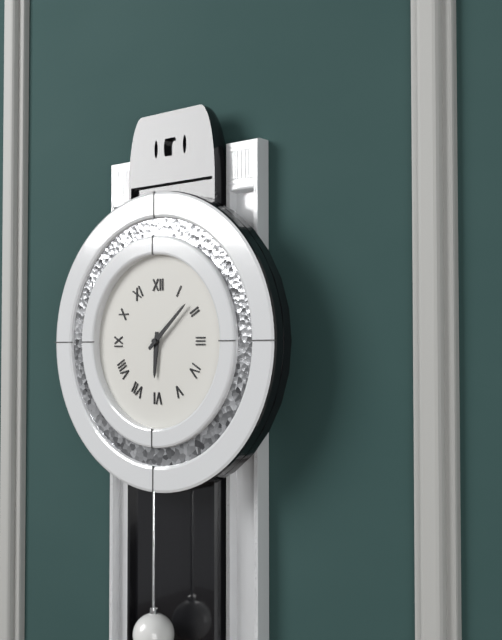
**6:08**
